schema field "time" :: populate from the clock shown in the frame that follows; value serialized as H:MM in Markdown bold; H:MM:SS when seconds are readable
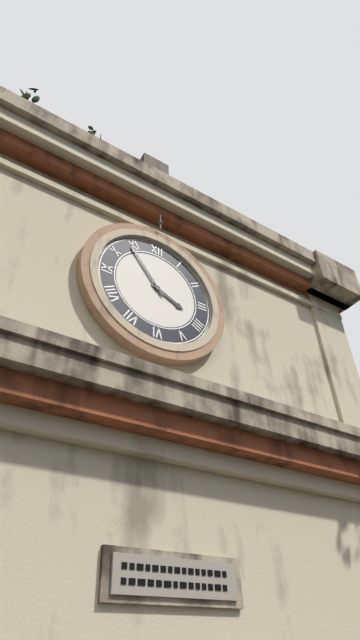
**3:54**
